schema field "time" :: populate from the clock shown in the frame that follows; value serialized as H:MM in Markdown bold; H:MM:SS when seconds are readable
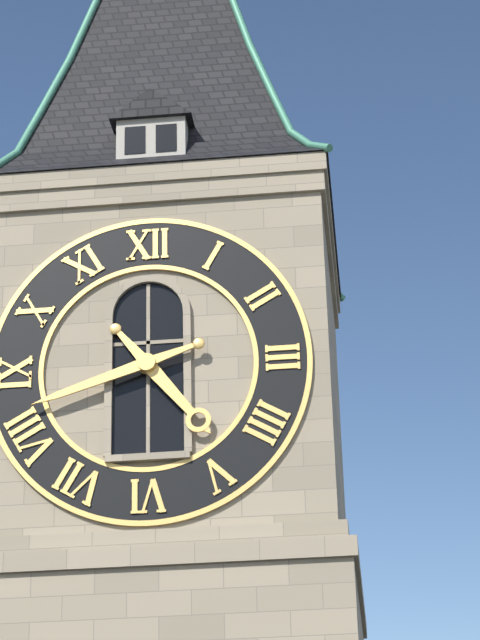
**4:42**
